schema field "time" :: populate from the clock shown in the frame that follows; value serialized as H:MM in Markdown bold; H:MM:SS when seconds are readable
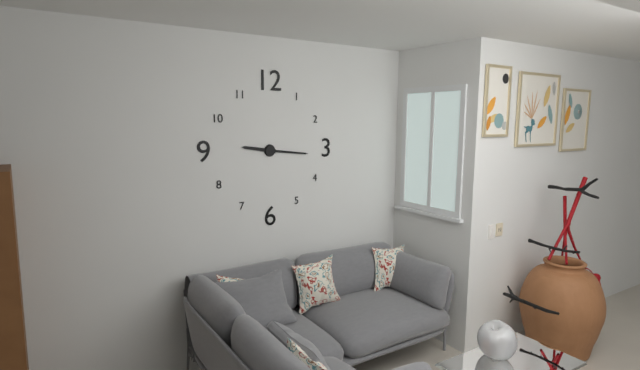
**9:16**
